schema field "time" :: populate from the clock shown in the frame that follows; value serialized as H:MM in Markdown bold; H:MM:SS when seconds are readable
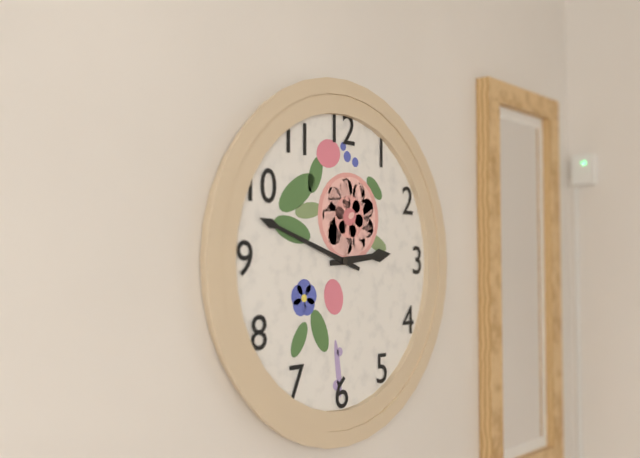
**2:48**
